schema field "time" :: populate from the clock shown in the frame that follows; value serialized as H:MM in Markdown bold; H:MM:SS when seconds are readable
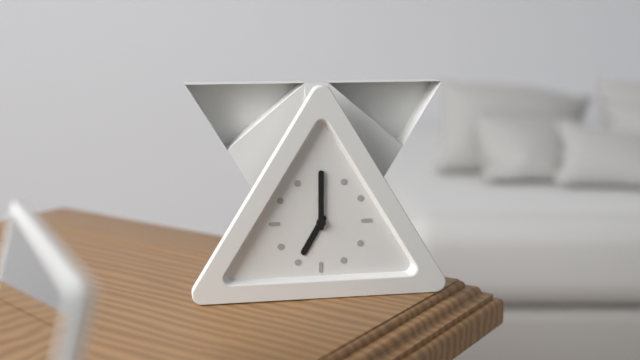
**7:00**
